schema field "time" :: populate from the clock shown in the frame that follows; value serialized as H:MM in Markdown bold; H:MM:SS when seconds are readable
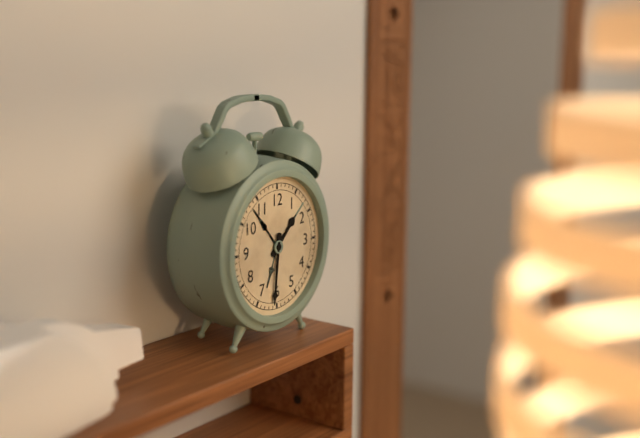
**1:31**
